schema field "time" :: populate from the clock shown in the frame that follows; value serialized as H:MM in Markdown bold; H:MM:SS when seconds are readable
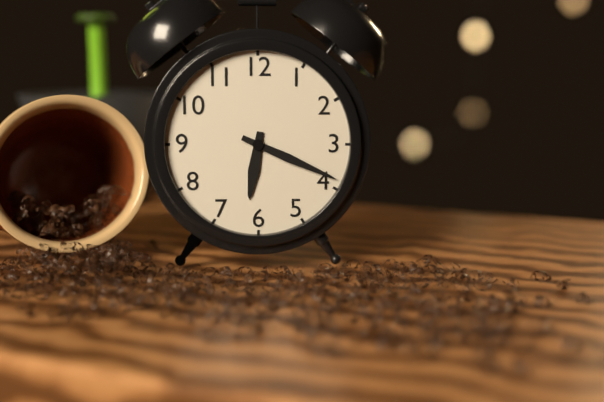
**6:19**
